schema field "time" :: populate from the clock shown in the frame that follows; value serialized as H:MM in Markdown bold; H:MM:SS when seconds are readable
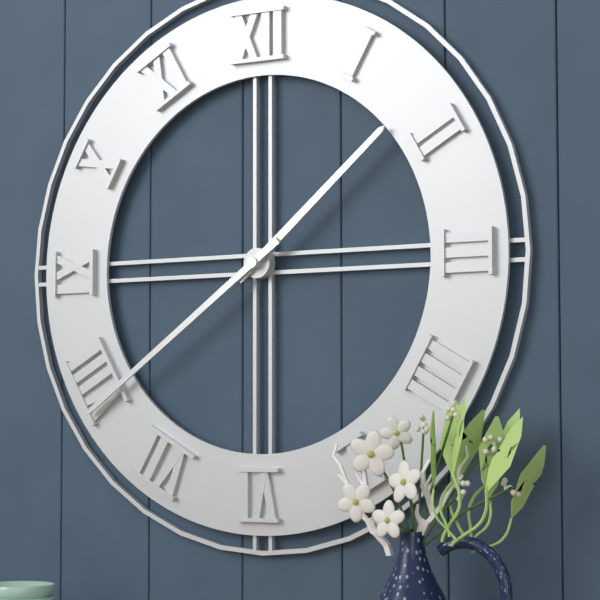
**1:39**
